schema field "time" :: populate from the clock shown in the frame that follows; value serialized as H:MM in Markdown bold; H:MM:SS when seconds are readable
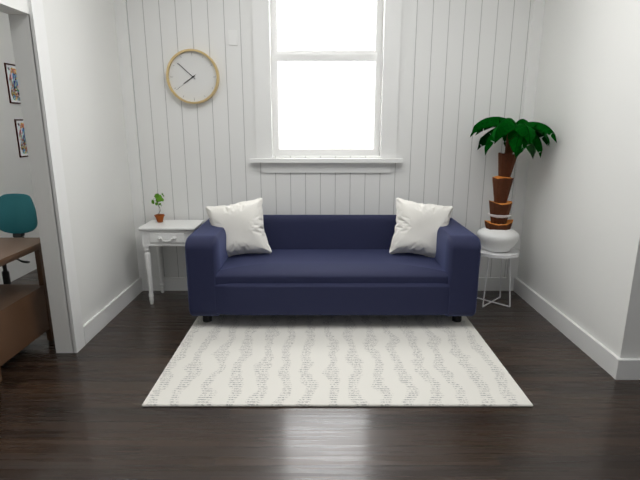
**7:52**
